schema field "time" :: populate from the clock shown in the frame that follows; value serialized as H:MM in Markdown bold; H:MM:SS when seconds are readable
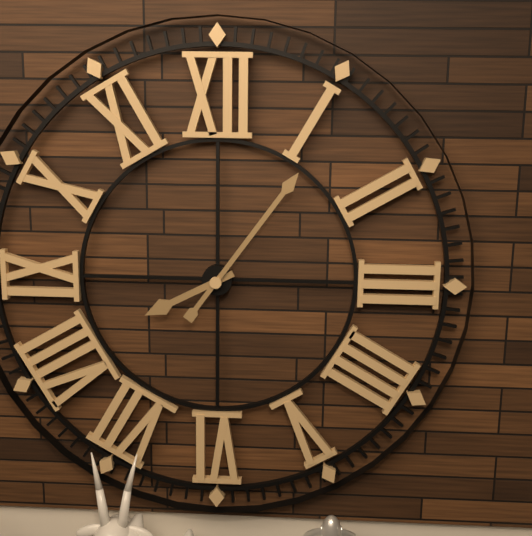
**8:06**
